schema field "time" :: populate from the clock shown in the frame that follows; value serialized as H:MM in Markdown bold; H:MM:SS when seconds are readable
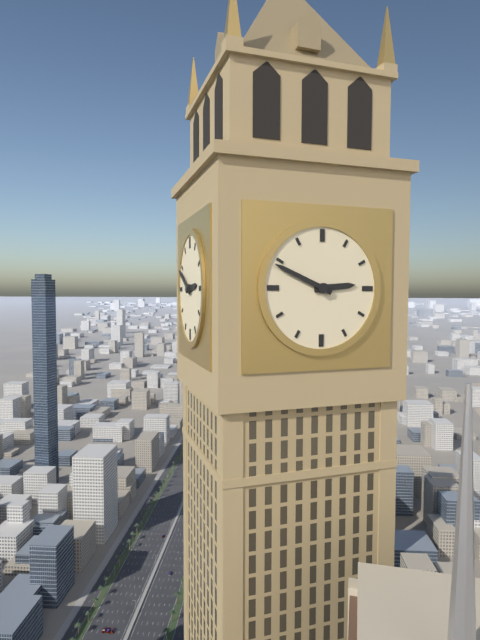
**2:49**
